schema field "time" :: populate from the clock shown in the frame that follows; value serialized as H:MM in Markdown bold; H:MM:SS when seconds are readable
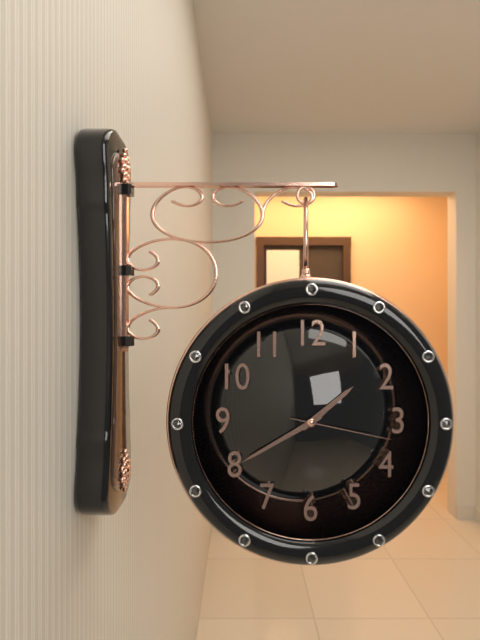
**1:40:17**
